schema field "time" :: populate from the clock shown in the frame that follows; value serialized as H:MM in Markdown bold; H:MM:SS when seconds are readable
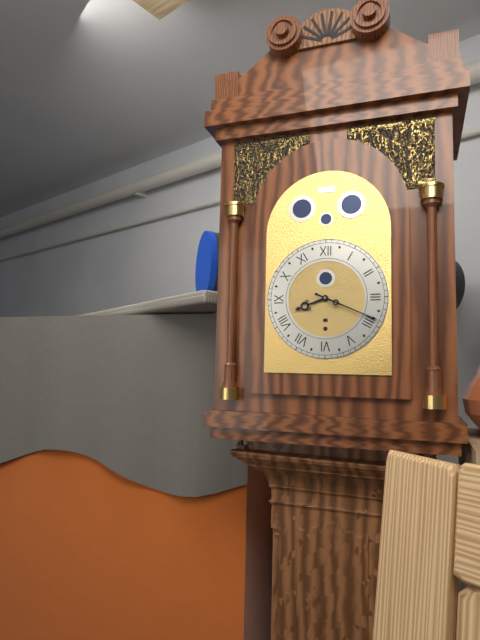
**8:19**
